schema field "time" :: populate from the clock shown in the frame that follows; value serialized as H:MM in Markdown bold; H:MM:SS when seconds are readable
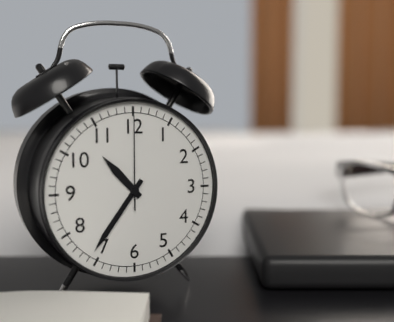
**10:36:00**
